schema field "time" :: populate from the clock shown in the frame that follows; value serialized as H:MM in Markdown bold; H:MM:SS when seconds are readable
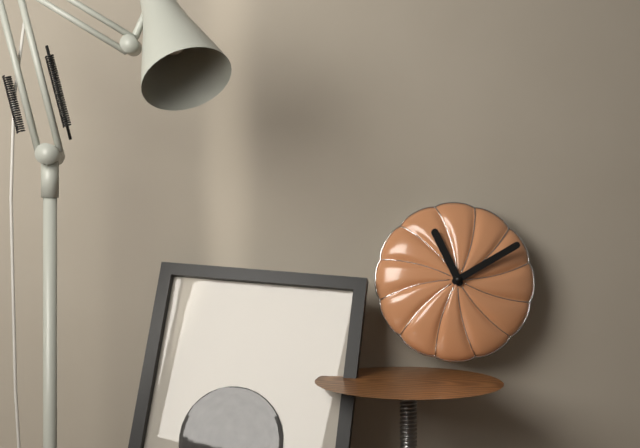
**11:10**
